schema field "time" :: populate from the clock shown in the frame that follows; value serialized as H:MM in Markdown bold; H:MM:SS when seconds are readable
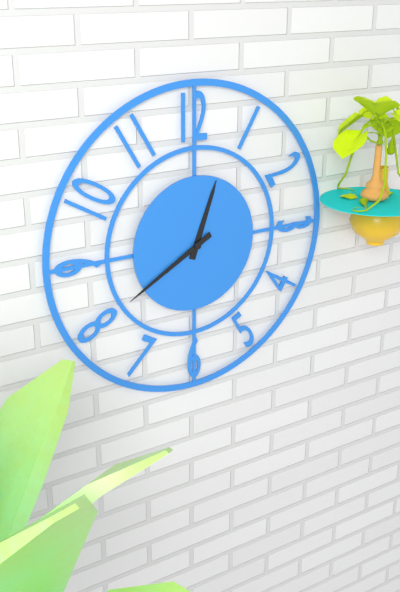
**12:40**
